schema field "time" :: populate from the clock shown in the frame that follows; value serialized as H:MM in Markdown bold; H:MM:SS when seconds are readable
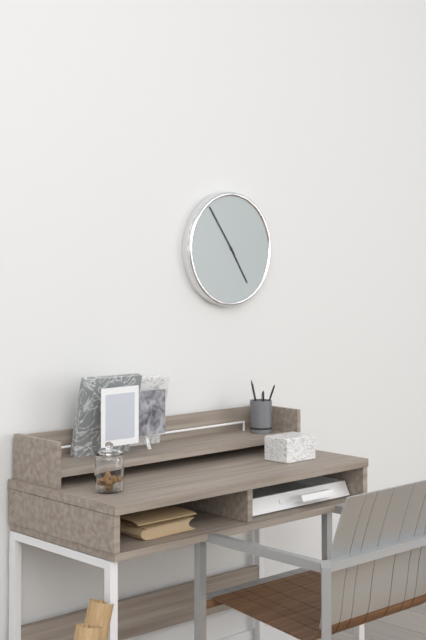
**4:54**
